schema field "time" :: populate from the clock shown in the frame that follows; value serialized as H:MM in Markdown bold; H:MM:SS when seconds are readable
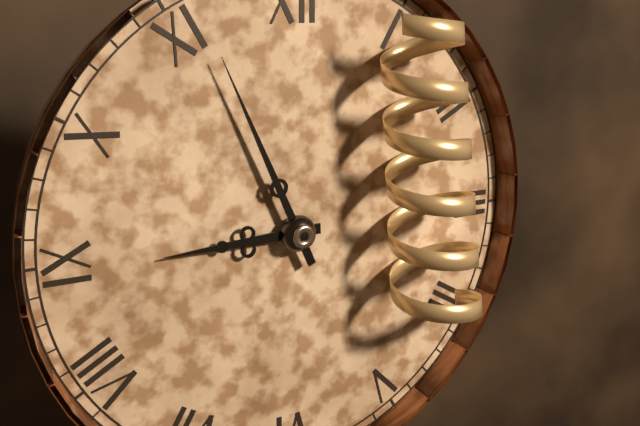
**8:56**
